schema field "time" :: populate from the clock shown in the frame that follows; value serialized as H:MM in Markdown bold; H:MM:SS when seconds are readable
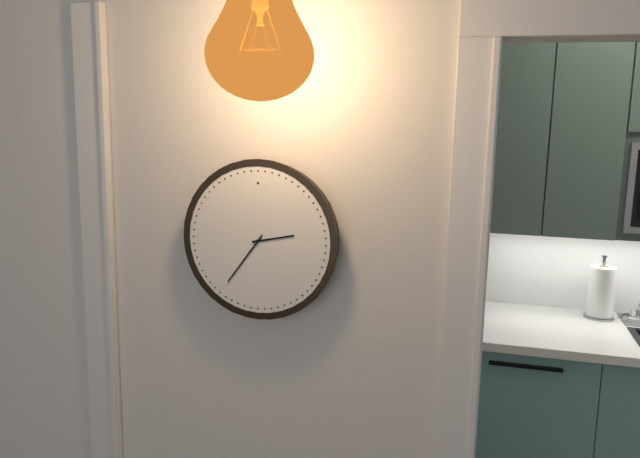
**2:36**
